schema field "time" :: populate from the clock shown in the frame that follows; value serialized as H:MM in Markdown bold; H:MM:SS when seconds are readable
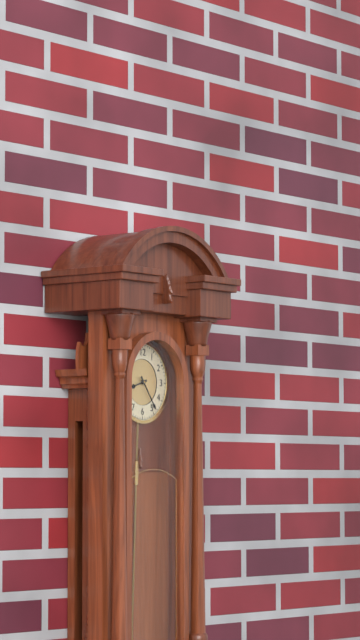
**8:24**
